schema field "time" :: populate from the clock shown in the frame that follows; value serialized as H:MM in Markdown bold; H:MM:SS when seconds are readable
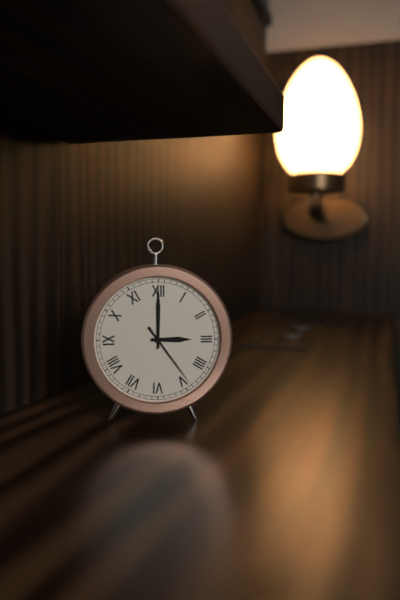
**3:00:24**
